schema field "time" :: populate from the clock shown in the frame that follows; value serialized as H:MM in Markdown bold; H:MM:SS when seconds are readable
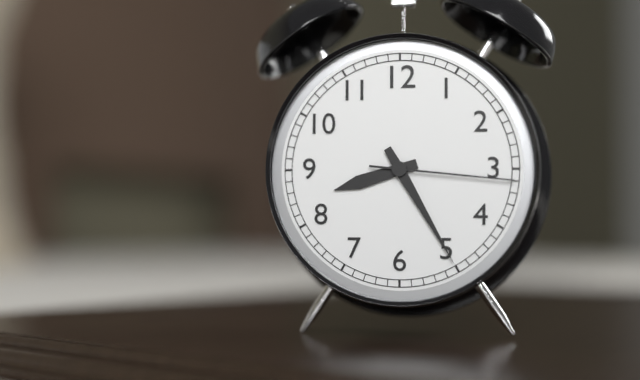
**8:25:16**
